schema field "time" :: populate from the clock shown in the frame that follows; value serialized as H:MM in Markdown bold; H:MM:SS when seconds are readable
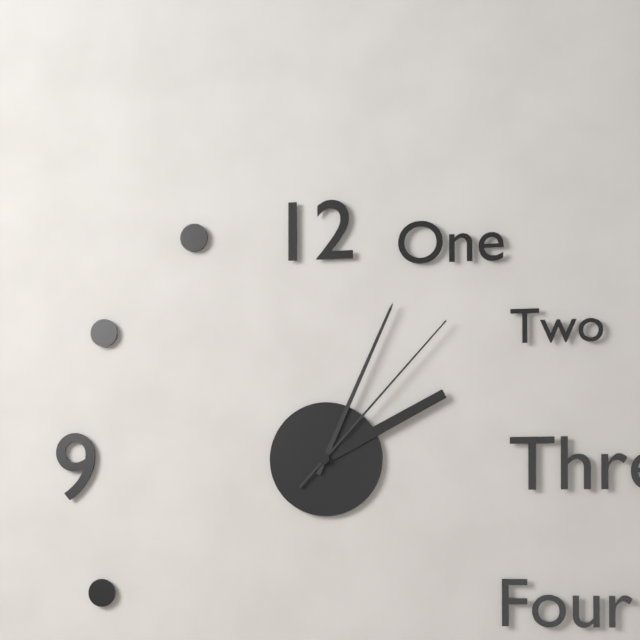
**2:04:07**
